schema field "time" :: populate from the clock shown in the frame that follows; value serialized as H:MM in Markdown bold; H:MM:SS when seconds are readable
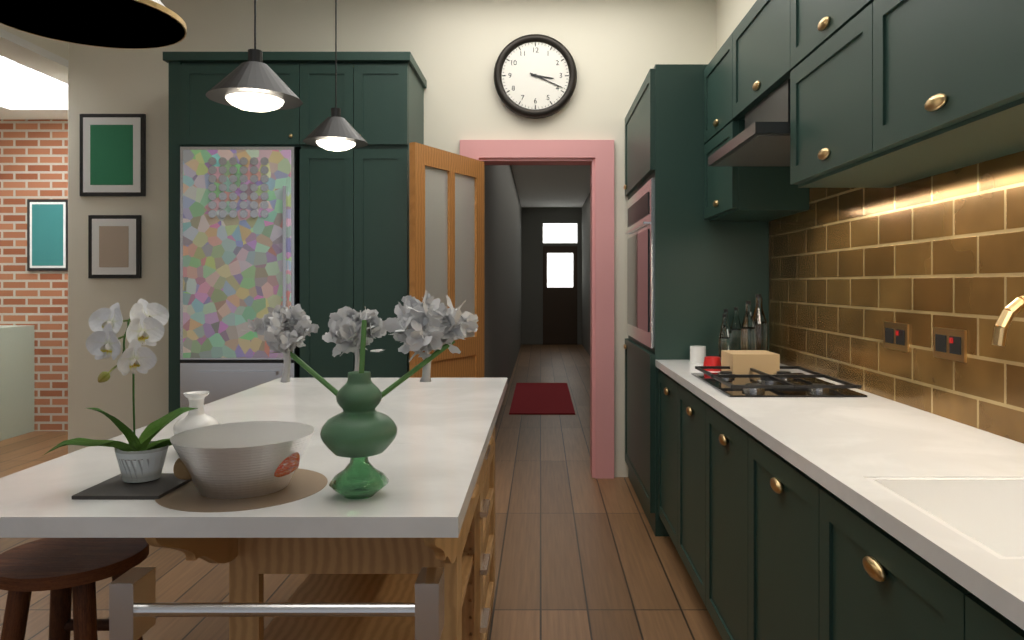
**3:19**
